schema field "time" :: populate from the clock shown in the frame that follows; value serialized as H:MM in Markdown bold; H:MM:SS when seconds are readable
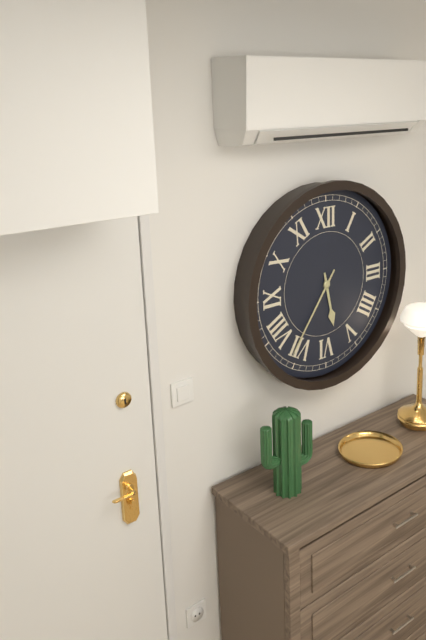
**5:36**
